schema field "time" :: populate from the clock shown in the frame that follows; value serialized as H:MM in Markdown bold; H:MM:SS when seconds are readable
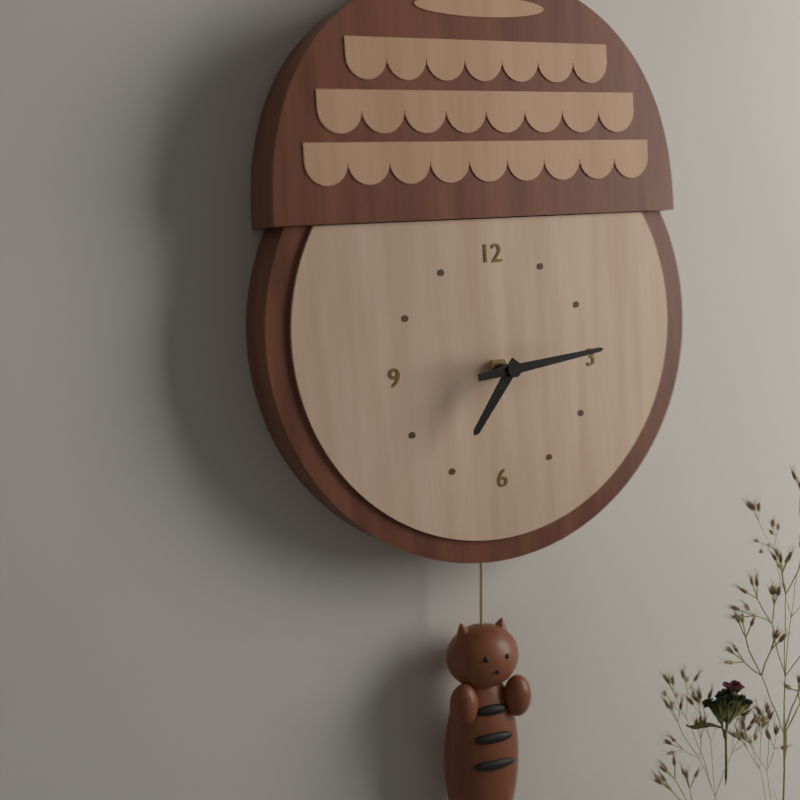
**7:14**
